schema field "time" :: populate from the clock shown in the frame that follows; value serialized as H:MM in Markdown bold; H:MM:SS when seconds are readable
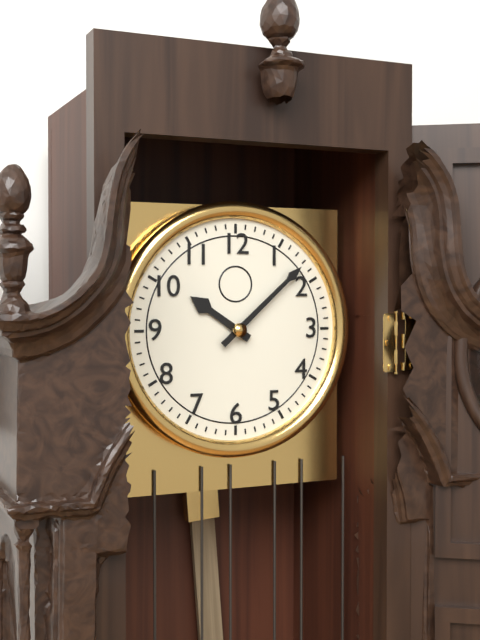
**10:08**
